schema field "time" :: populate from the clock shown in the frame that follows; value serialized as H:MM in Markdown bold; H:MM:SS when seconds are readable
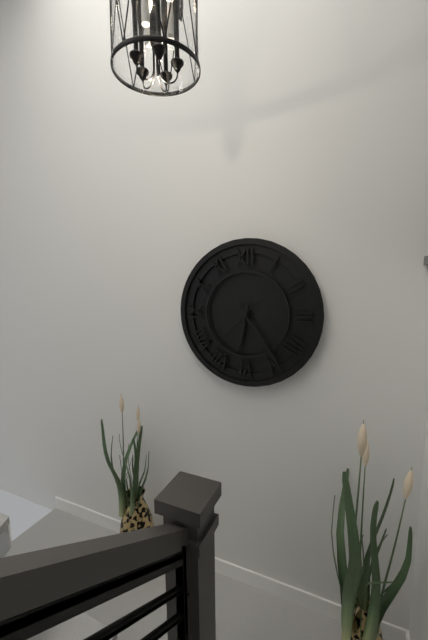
**6:24:37**
